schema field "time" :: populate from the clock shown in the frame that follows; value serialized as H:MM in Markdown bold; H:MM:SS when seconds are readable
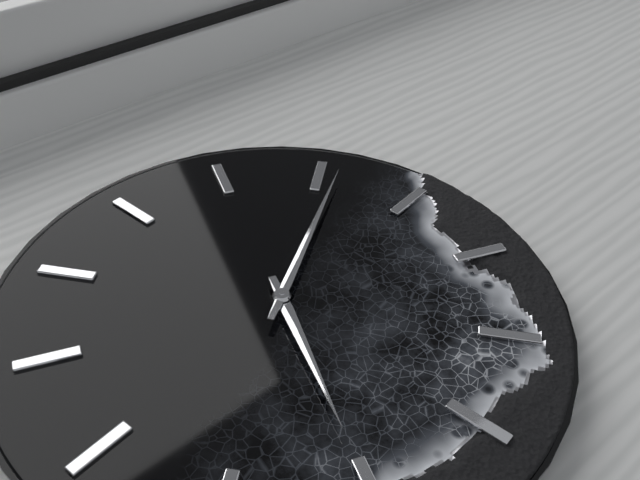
**5:01**
